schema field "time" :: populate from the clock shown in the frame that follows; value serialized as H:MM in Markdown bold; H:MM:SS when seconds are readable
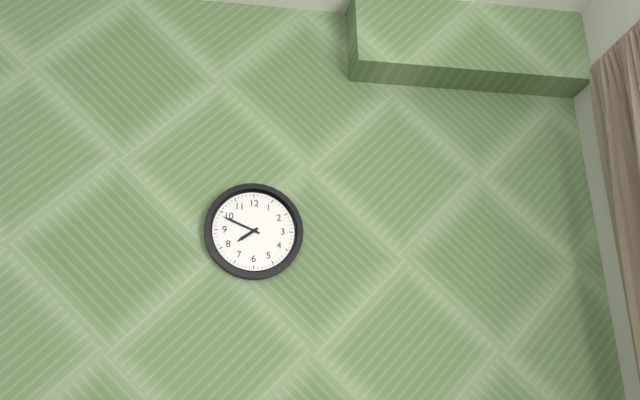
**7:49**
